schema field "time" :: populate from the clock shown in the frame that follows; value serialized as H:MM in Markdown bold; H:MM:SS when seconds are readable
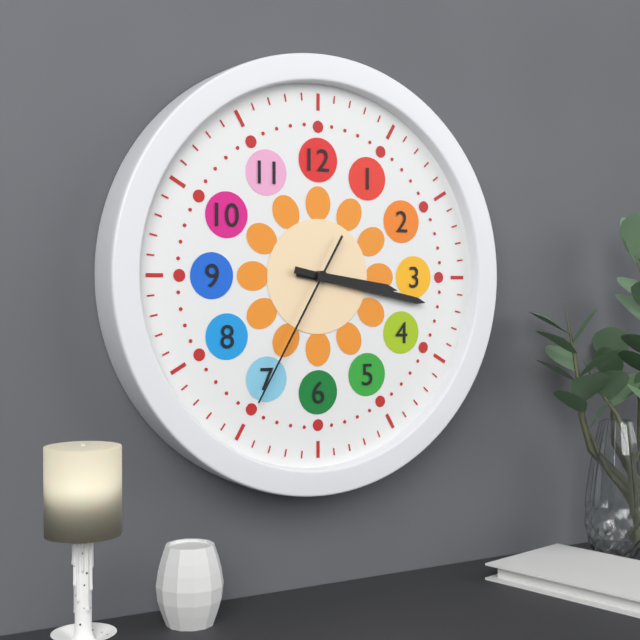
**3:17:35**
